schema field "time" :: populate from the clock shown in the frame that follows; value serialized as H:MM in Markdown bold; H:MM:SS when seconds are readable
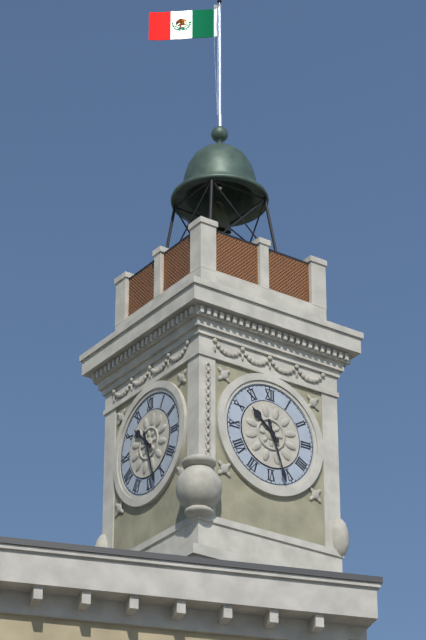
**10:27**
